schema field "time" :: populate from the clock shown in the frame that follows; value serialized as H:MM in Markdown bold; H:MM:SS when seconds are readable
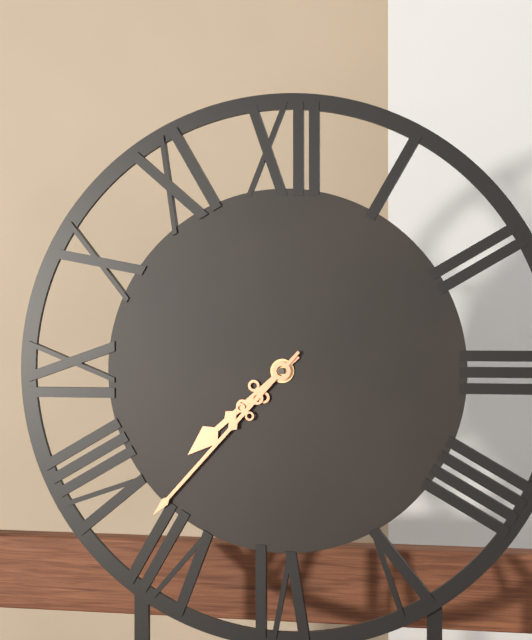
**7:37**
